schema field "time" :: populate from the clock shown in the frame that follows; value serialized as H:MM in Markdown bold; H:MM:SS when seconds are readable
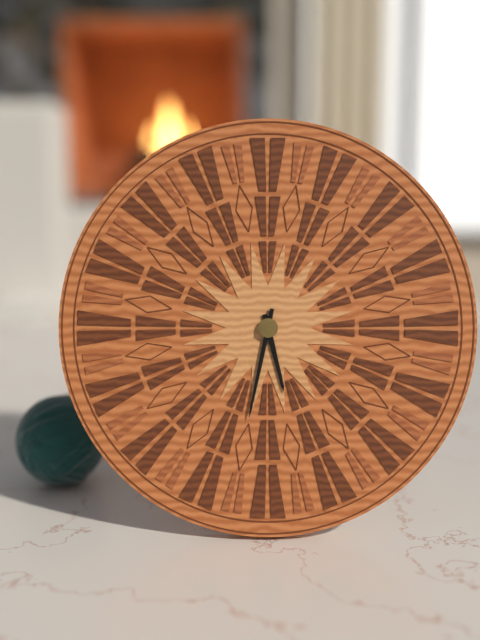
**5:32**
